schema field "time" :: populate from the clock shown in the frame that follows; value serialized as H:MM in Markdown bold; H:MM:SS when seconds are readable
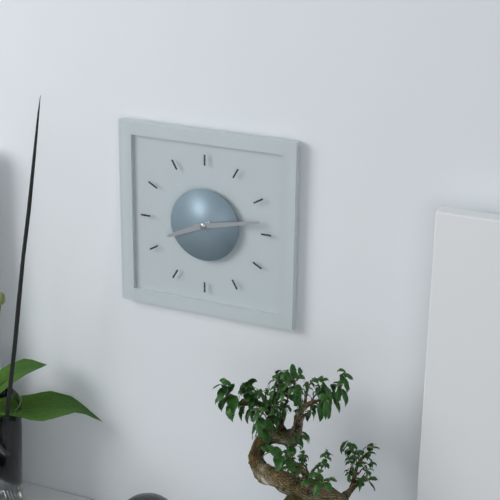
**8:13**
